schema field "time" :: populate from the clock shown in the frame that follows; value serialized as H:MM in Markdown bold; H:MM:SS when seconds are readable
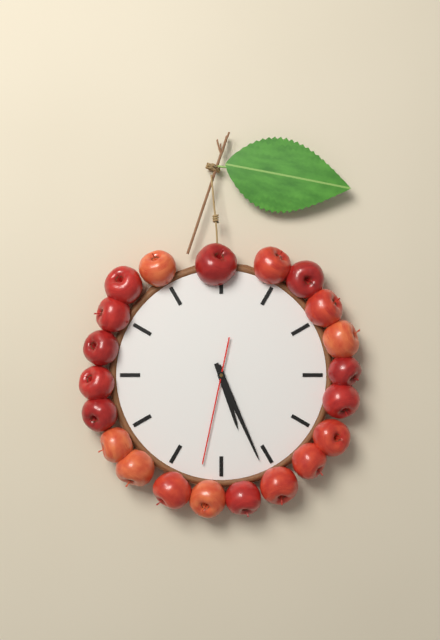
**5:26:32**
